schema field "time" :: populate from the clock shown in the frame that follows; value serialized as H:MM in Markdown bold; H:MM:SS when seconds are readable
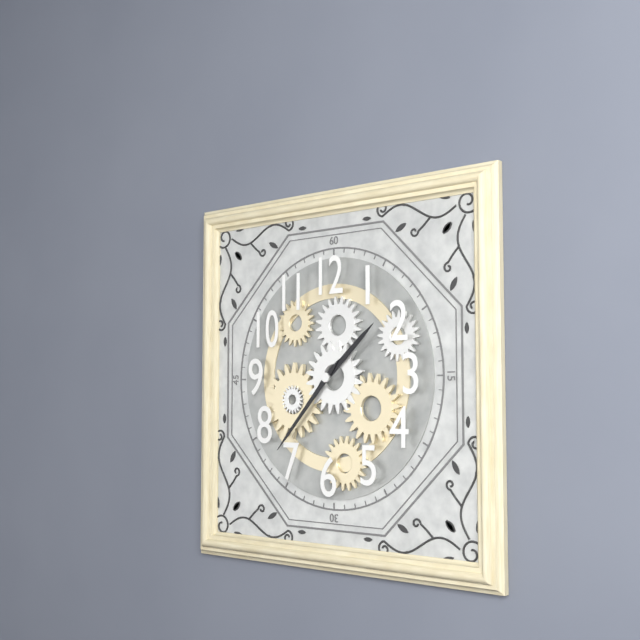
**1:37**
